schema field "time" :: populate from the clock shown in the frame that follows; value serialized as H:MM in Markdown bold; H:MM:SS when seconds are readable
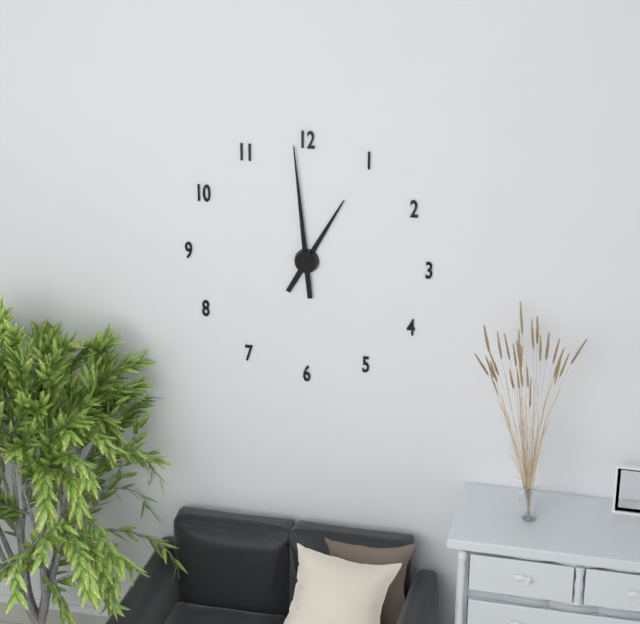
**12:59**
